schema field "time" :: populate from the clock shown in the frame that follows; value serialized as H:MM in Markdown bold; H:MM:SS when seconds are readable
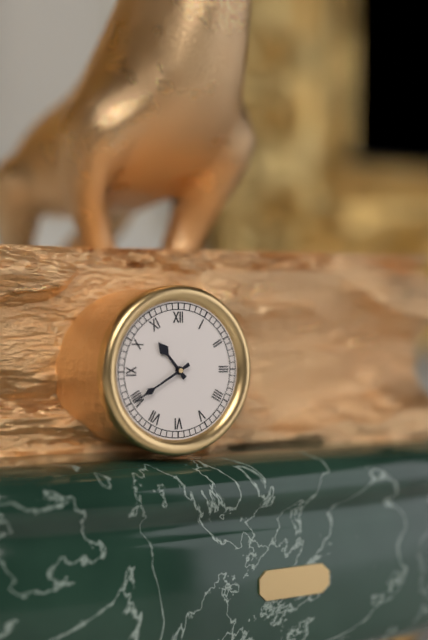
**10:40**
